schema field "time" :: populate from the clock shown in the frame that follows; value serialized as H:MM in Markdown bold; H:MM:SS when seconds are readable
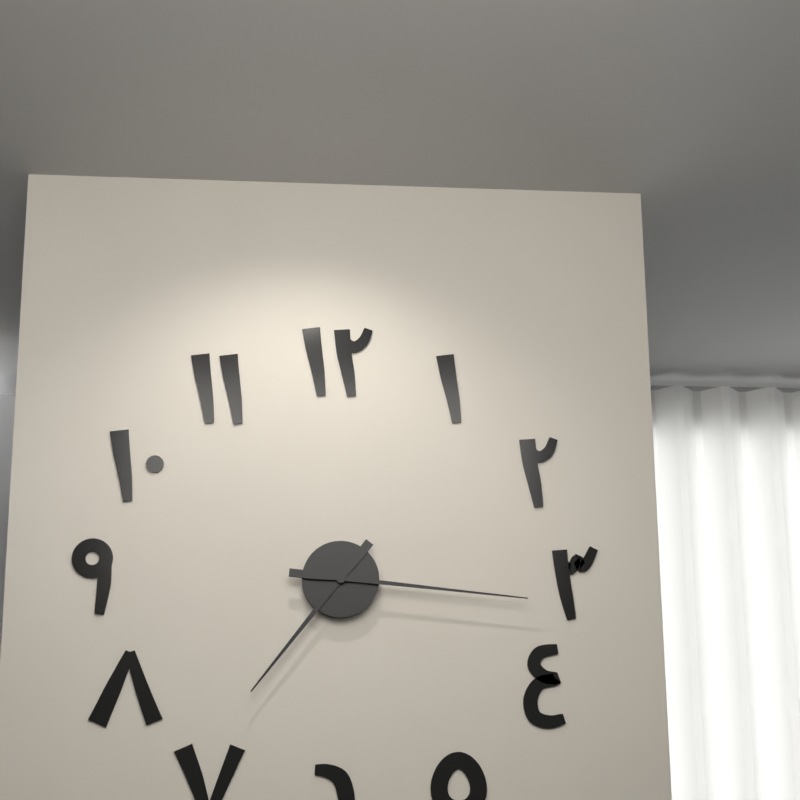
**7:16**
